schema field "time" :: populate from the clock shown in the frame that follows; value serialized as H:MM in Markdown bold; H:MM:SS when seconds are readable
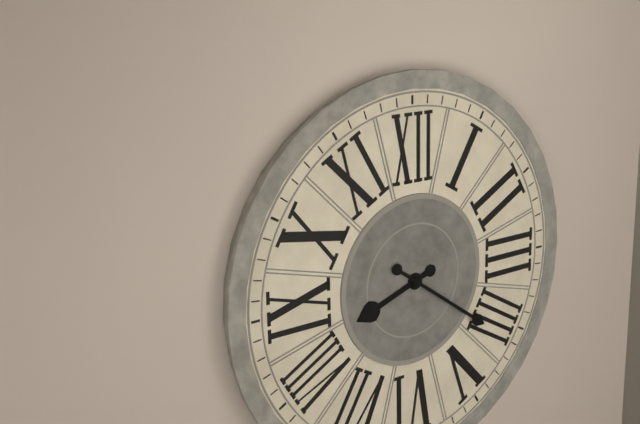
**8:21**
